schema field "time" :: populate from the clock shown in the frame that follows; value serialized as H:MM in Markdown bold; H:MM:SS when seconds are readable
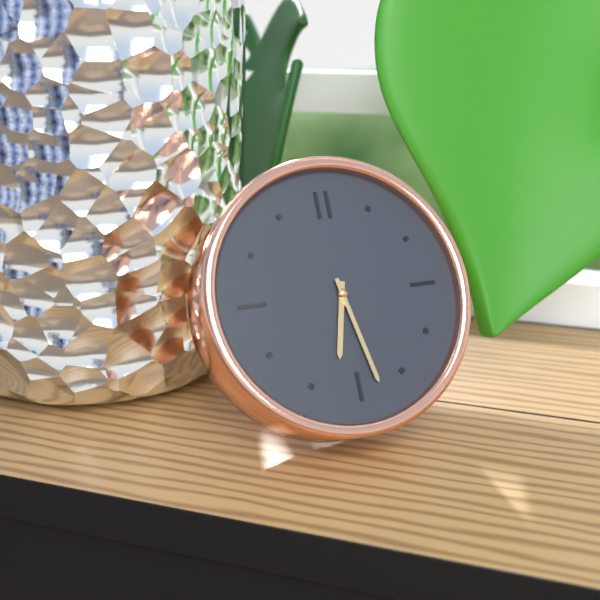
**6:28**
